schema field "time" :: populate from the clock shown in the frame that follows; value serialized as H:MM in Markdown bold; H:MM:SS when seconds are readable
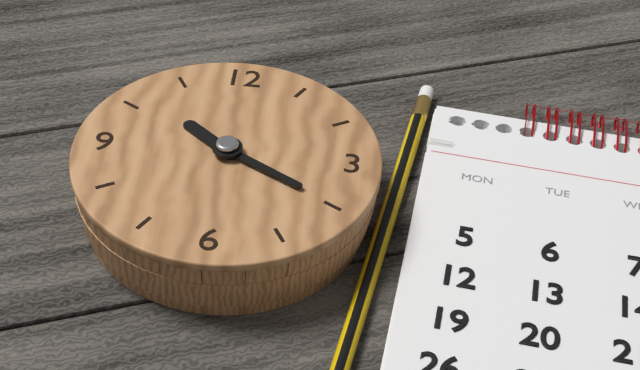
**10:20**
